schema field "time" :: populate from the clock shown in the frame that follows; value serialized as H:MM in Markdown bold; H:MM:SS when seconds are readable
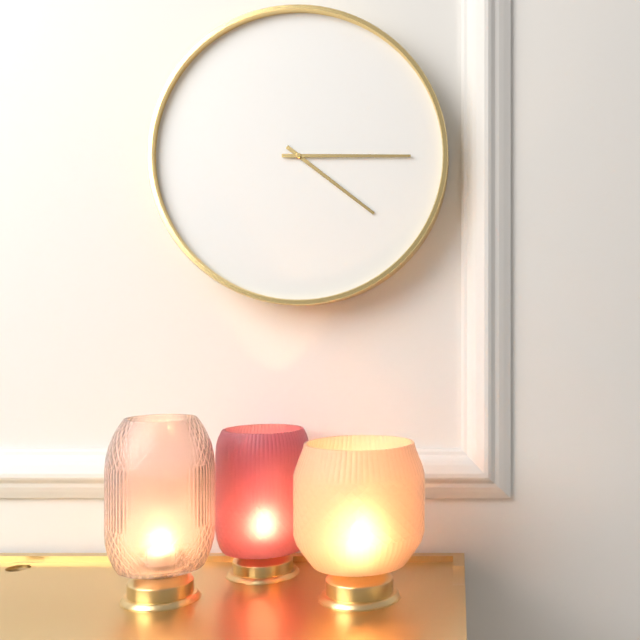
**4:15**
